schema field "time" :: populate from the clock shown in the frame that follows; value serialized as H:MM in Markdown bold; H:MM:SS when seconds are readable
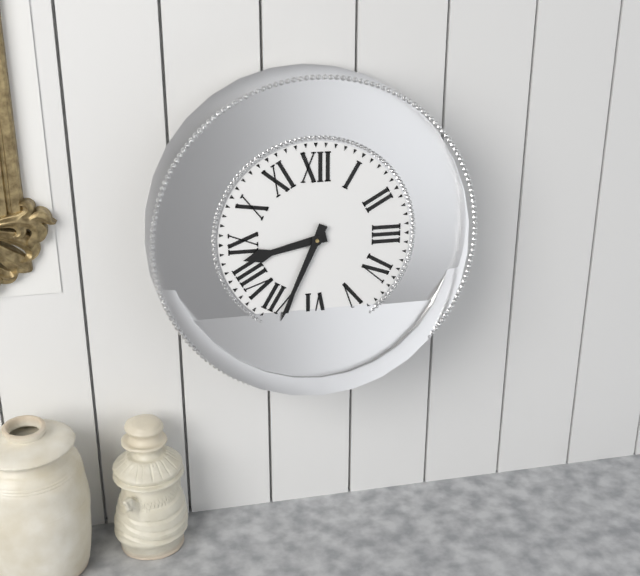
**8:34**
